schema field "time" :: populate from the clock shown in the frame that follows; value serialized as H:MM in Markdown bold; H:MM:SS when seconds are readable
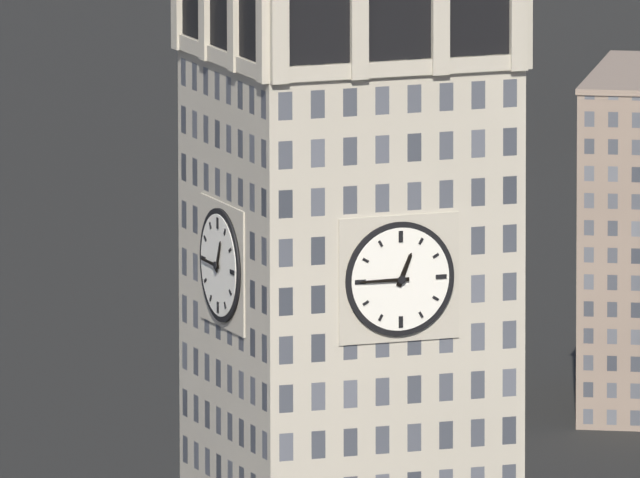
**12:45**
